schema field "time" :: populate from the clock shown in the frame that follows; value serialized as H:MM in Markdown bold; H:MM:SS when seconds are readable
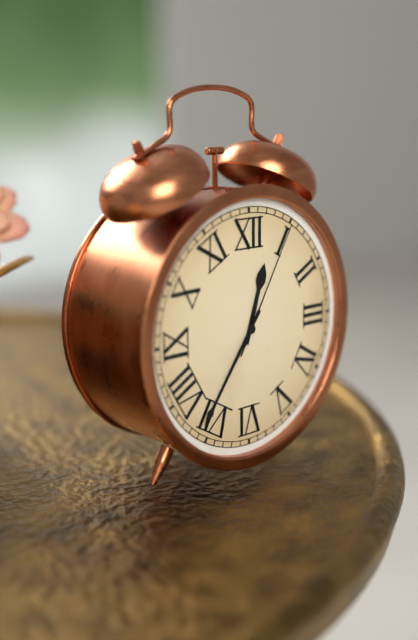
**12:36:05**
